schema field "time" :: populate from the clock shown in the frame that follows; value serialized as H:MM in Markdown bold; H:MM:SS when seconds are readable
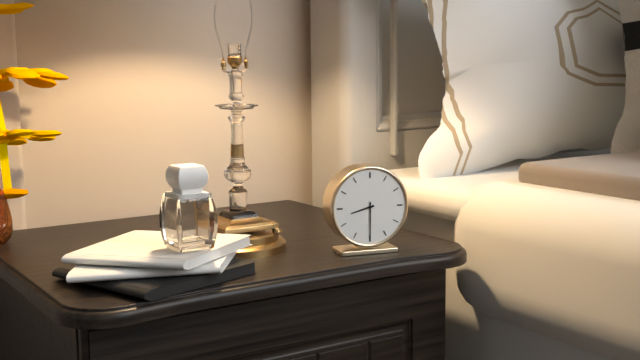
**8:30**
